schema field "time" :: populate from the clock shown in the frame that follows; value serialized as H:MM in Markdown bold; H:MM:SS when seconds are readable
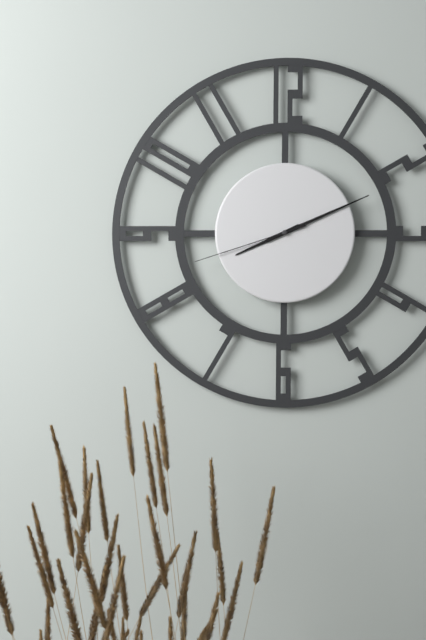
**8:11:42**
